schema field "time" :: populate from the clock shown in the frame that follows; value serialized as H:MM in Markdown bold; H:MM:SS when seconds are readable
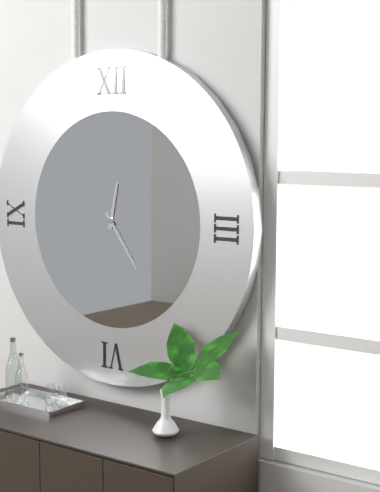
**12:24**
